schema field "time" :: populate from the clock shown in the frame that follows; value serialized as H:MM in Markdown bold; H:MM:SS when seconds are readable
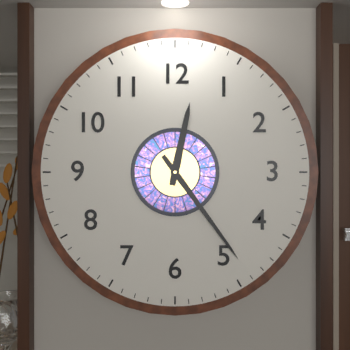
**12:24**
